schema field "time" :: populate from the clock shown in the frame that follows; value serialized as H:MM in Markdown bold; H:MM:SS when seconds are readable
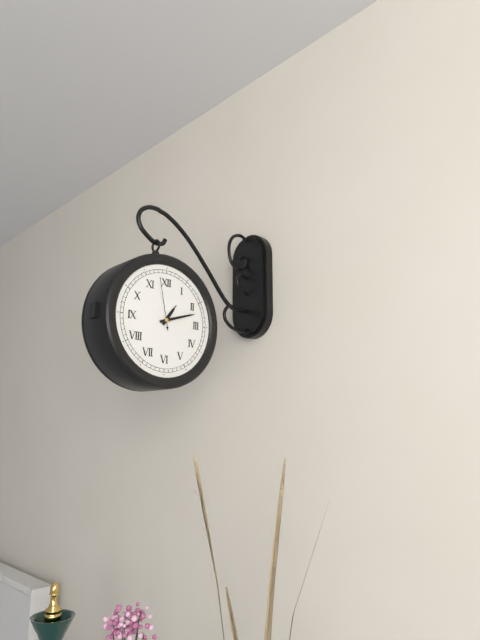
**1:12:58**
